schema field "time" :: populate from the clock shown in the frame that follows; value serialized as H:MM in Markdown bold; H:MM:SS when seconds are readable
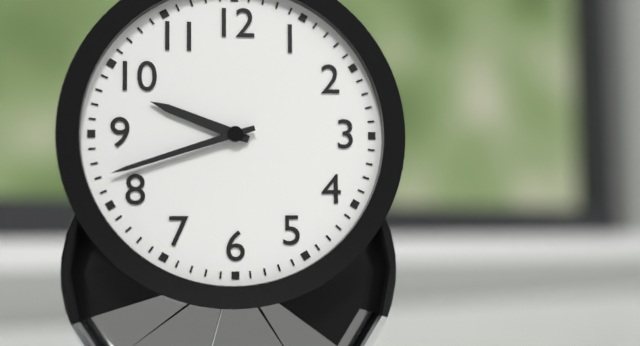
**9:42**
